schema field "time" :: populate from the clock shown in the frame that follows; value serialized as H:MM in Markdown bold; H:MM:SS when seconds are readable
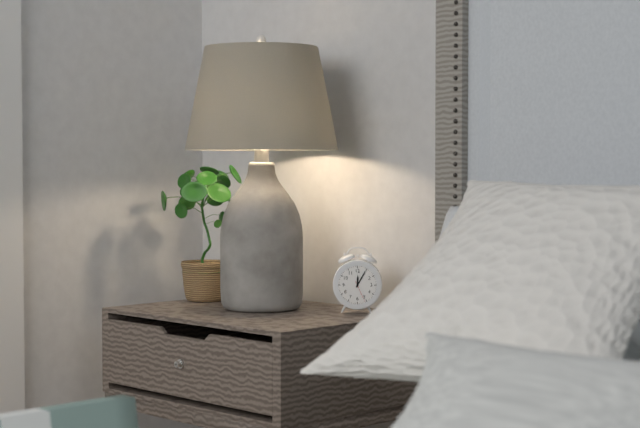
**12:05**
